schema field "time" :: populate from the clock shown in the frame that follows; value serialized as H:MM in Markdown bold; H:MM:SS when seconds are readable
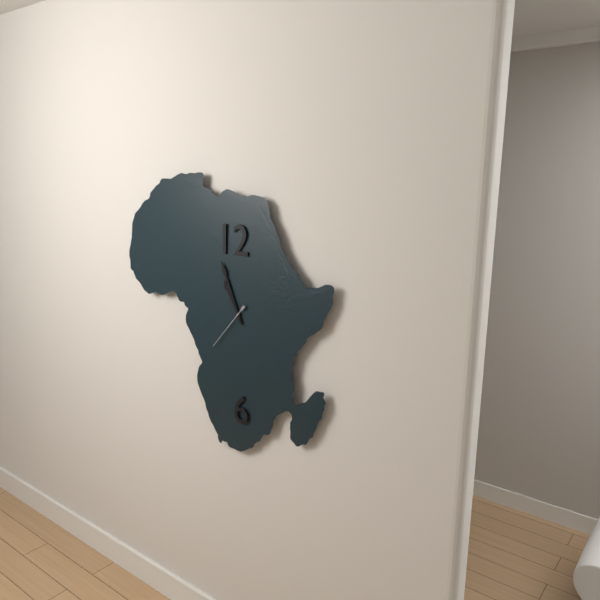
**10:56:37**
